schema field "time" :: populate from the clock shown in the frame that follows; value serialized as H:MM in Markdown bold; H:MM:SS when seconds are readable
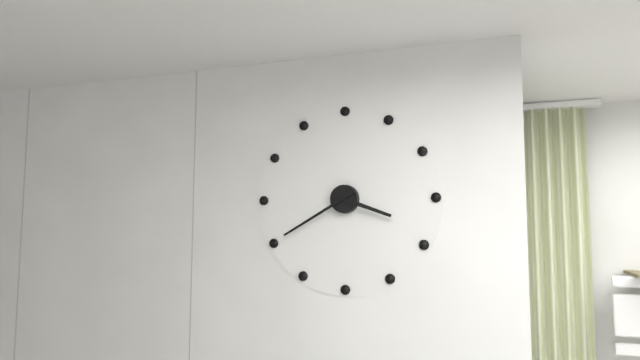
**3:40**
